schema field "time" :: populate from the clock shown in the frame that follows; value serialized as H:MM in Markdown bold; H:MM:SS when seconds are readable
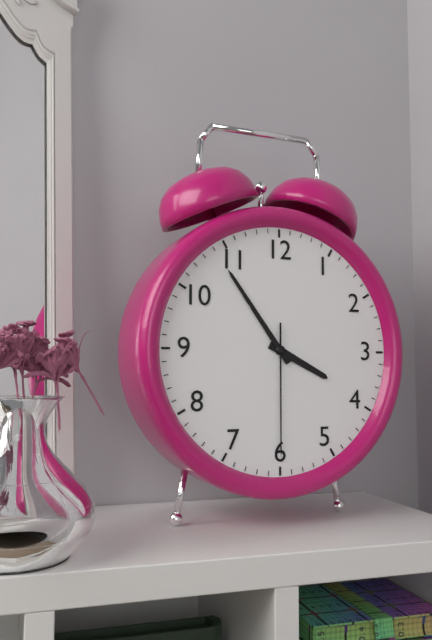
**3:54:30**
